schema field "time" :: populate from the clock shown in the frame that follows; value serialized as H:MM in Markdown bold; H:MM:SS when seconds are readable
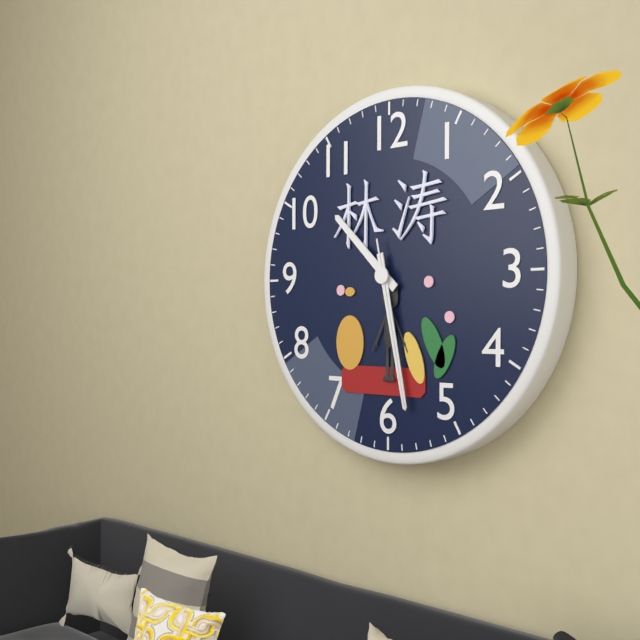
**10:28:28**
